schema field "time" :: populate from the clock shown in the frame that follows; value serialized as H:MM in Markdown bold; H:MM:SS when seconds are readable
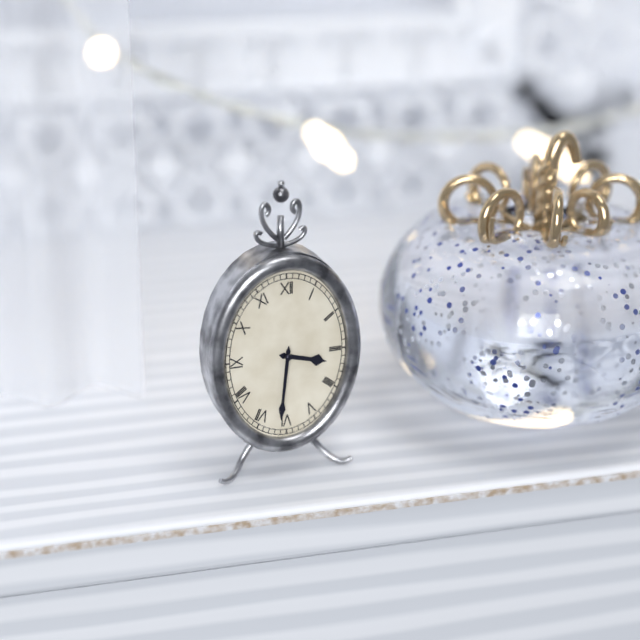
**3:31**
